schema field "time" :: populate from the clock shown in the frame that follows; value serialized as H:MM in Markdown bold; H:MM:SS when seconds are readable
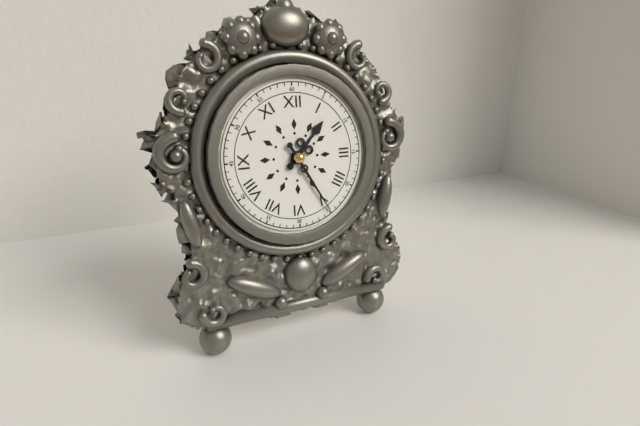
**1:25**
